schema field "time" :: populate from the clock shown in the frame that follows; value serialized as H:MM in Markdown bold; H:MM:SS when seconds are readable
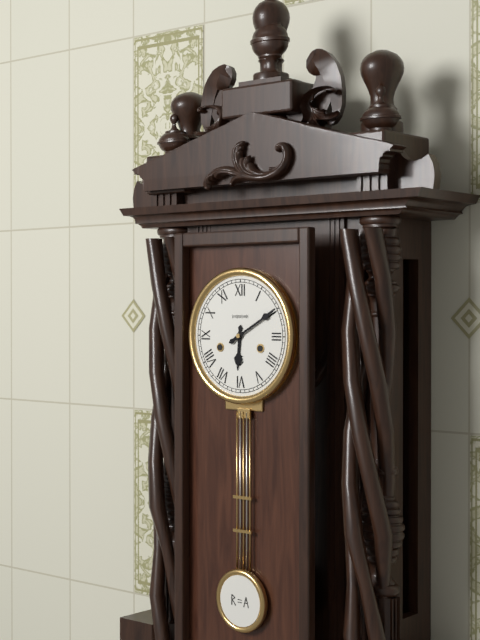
**6:10**
